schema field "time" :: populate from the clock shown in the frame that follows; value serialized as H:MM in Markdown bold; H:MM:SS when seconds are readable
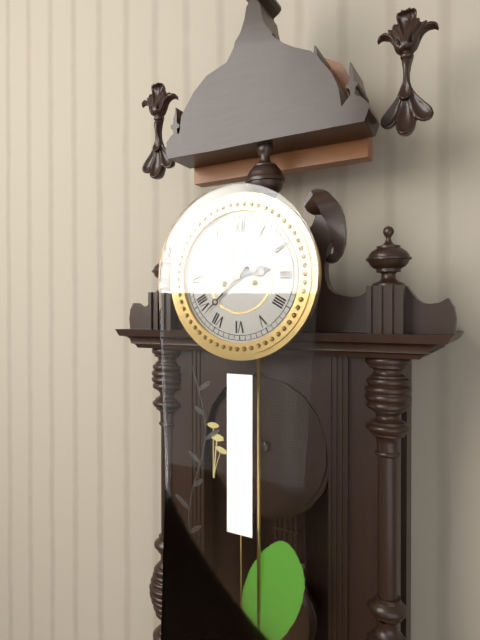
**2:38**
